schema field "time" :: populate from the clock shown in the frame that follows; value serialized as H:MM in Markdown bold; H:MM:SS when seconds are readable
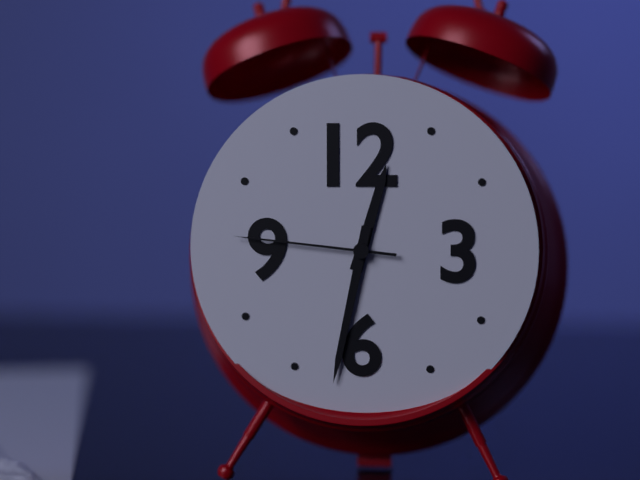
**12:32:46**
